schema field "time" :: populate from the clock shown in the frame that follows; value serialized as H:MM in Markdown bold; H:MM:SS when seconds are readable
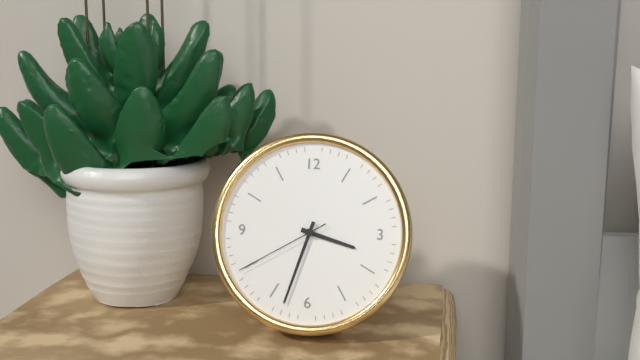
**3:33:40**
